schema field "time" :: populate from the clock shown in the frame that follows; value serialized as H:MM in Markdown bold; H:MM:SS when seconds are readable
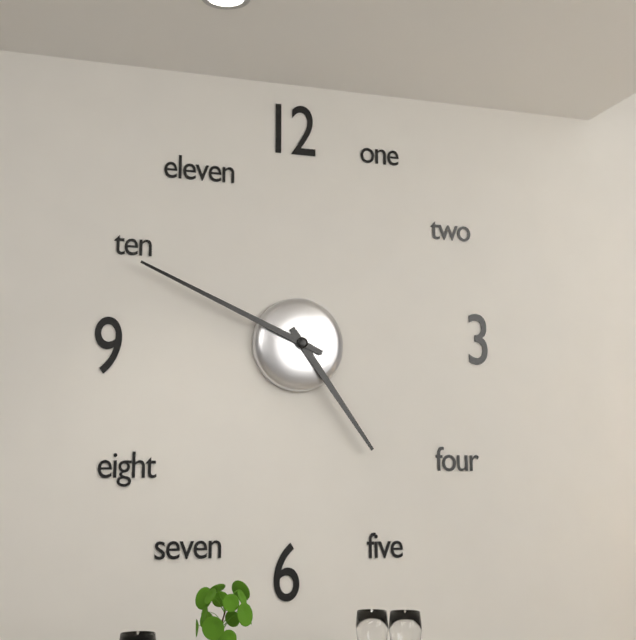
**4:49**
